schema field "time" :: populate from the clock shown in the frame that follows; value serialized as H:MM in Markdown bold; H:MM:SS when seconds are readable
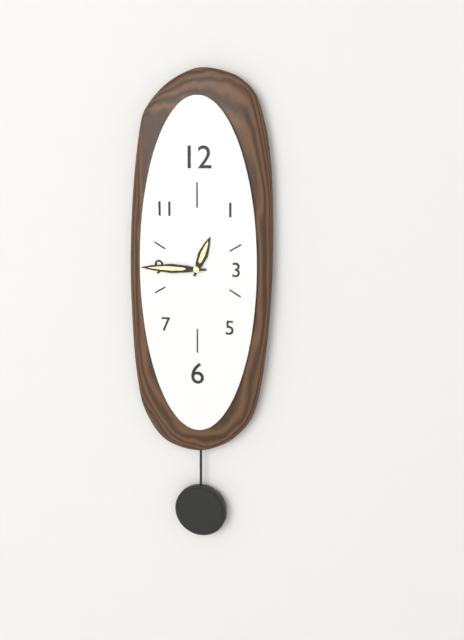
**12:45**
